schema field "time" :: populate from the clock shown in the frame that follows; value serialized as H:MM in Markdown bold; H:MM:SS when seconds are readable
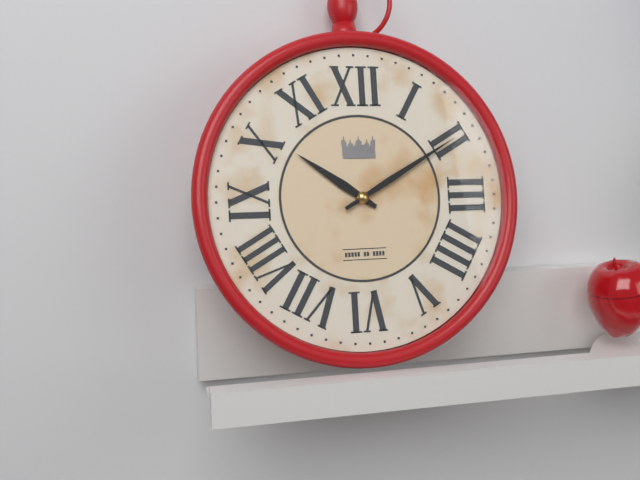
**10:10**
